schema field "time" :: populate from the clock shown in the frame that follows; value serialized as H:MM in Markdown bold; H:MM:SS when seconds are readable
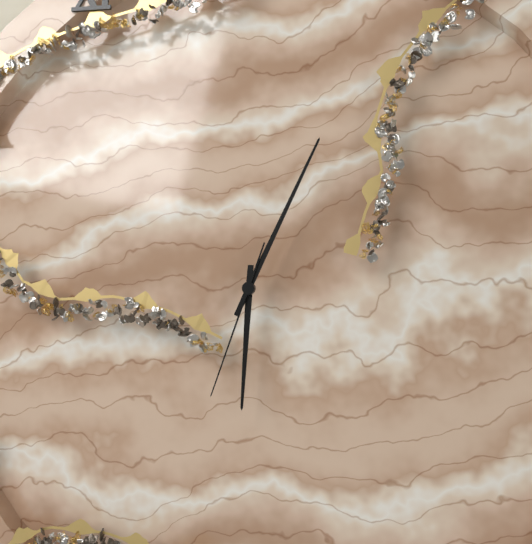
**6:04:33**
